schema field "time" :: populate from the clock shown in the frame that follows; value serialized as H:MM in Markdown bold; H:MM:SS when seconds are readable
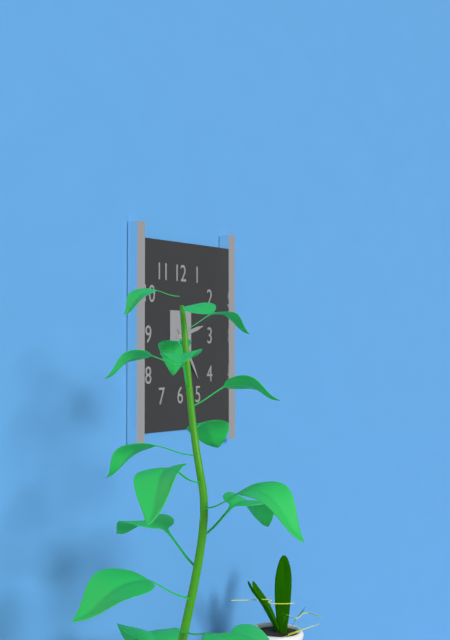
**2:25**
